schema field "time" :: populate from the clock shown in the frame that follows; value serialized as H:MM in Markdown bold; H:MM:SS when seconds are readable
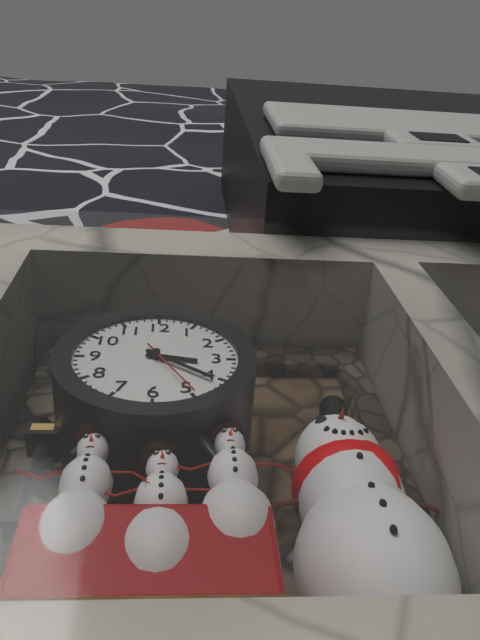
**3:21:25**
